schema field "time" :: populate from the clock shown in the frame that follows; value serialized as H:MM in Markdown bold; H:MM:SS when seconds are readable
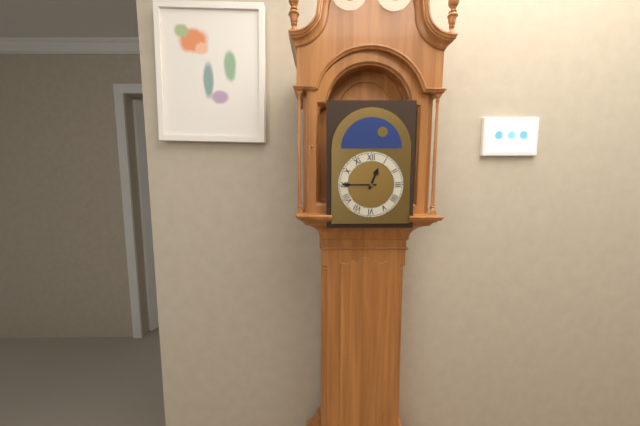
**12:45**
